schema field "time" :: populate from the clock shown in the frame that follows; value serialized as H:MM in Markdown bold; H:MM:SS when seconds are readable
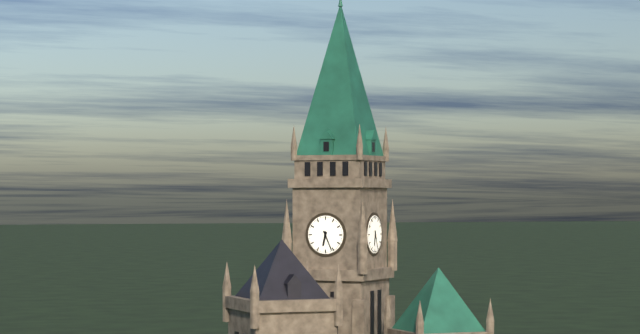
**6:26**
